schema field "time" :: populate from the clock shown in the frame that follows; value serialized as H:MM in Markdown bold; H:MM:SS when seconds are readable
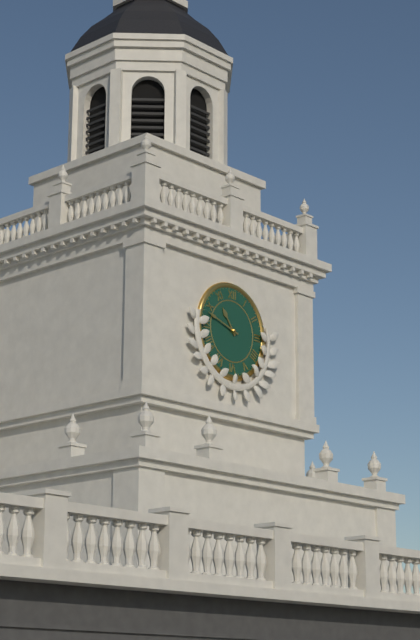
**10:48**
